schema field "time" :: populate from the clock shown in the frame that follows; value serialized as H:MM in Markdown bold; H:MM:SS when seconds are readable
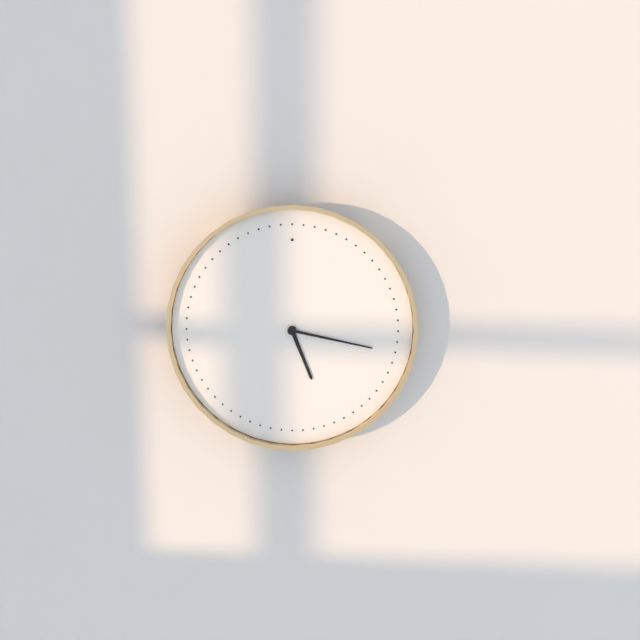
**5:17**
